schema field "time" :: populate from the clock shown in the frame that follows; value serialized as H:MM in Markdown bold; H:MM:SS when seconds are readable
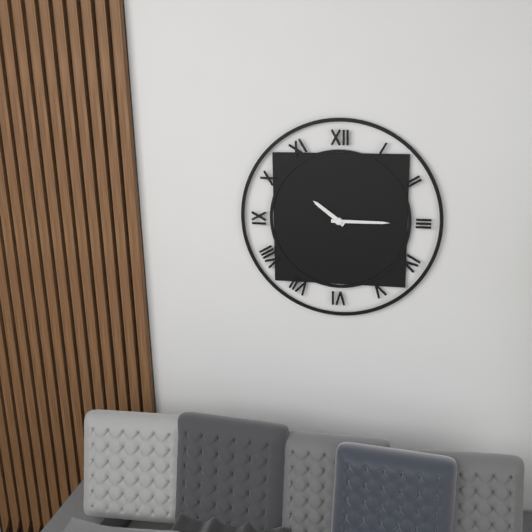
**10:15**
